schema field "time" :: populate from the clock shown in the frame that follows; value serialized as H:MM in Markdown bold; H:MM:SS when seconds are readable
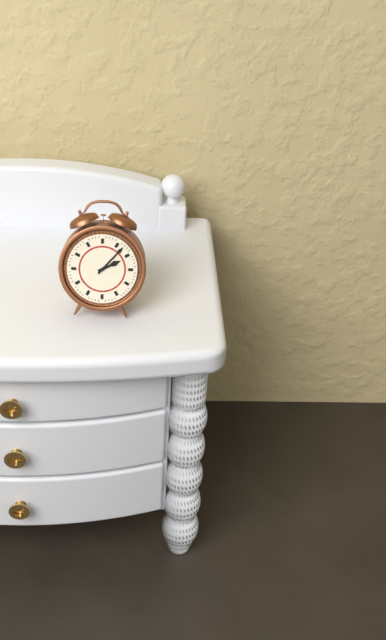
**2:07**
